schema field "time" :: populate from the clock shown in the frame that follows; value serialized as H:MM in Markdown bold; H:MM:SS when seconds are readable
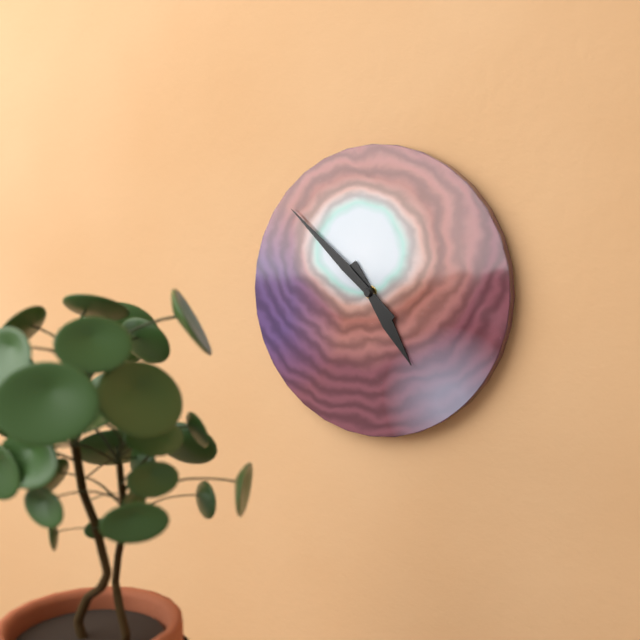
**4:52**
